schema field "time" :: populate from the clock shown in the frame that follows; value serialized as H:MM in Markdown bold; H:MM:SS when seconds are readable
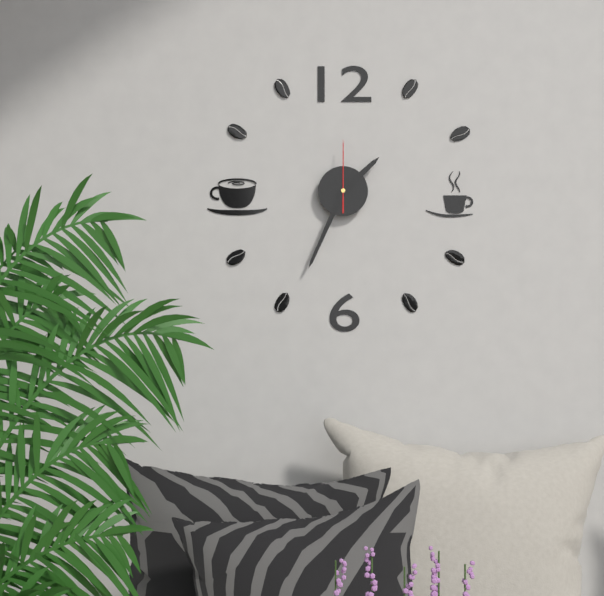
**1:34:00**
